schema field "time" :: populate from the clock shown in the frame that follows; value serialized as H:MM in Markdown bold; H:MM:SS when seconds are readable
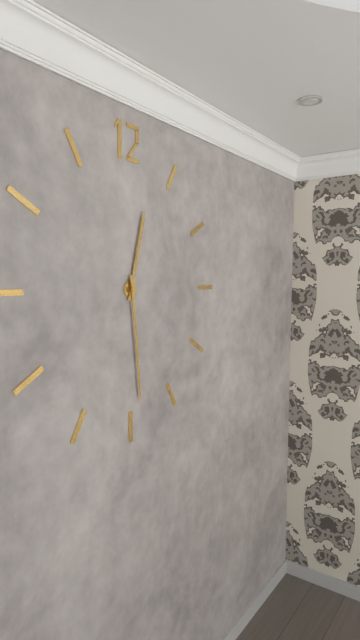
**12:29**
